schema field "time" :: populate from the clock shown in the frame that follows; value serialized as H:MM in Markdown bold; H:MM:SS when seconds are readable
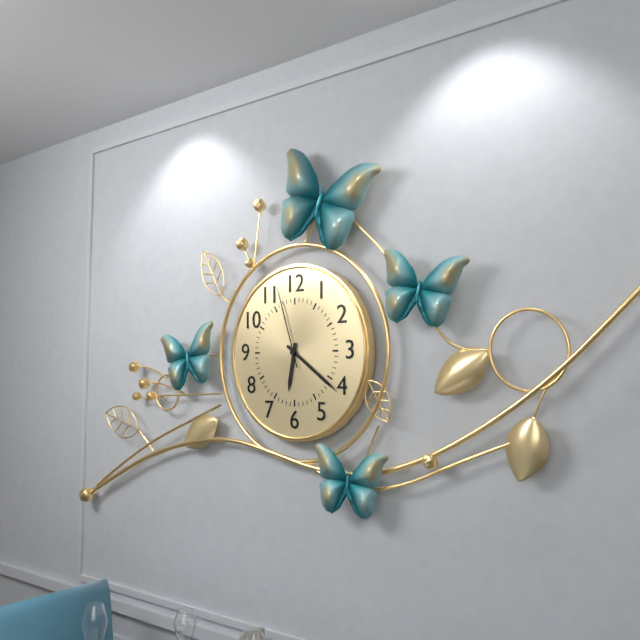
**6:21:57**
